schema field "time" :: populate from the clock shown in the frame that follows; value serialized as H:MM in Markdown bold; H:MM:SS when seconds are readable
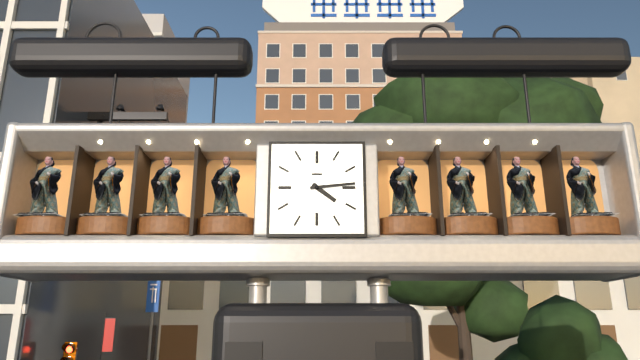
**4:14**
